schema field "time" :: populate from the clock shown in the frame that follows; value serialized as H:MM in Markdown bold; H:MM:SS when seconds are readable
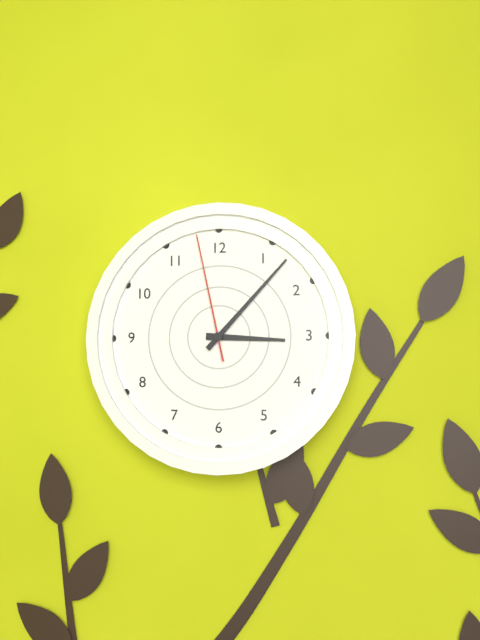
**3:07:58**
